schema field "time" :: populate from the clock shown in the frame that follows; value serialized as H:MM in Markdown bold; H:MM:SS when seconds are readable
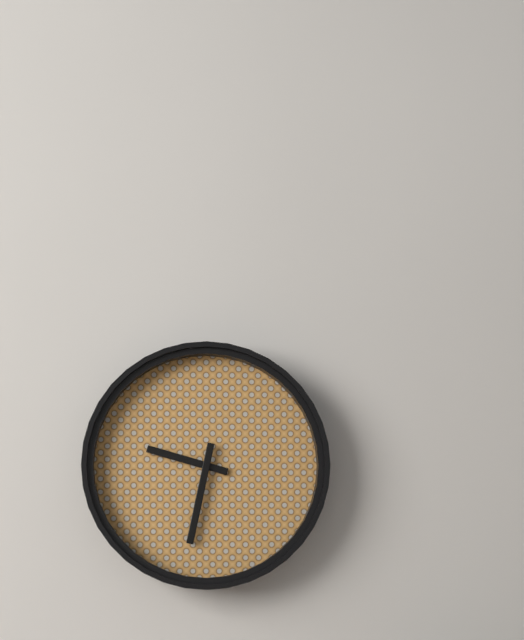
**9:32**
